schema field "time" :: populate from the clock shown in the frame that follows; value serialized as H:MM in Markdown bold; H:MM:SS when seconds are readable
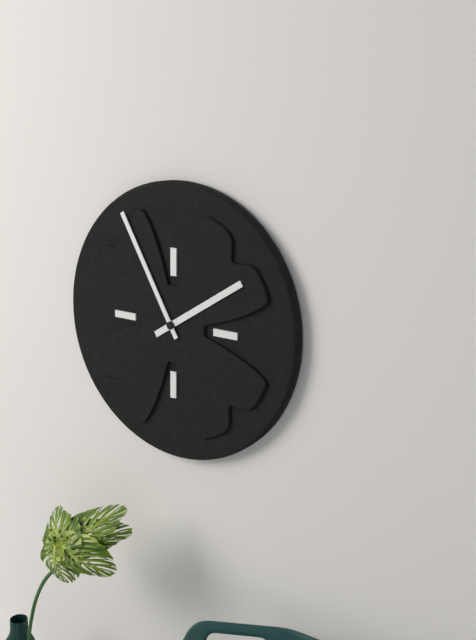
**1:55**
